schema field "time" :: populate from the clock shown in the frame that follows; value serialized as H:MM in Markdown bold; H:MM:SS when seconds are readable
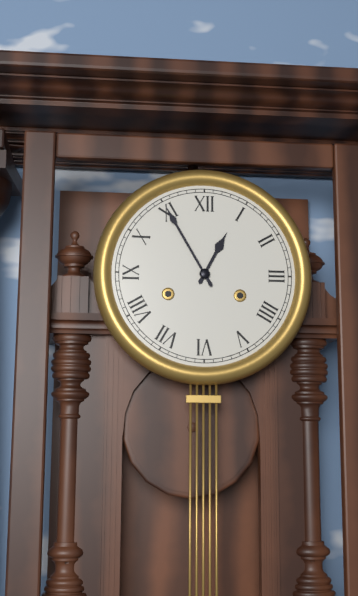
**12:55**
